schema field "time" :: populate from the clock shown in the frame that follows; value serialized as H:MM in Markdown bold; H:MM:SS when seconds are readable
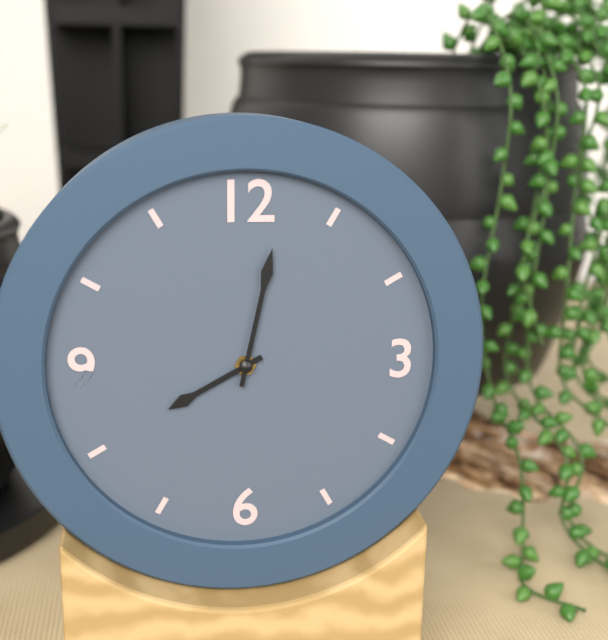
**8:02**
